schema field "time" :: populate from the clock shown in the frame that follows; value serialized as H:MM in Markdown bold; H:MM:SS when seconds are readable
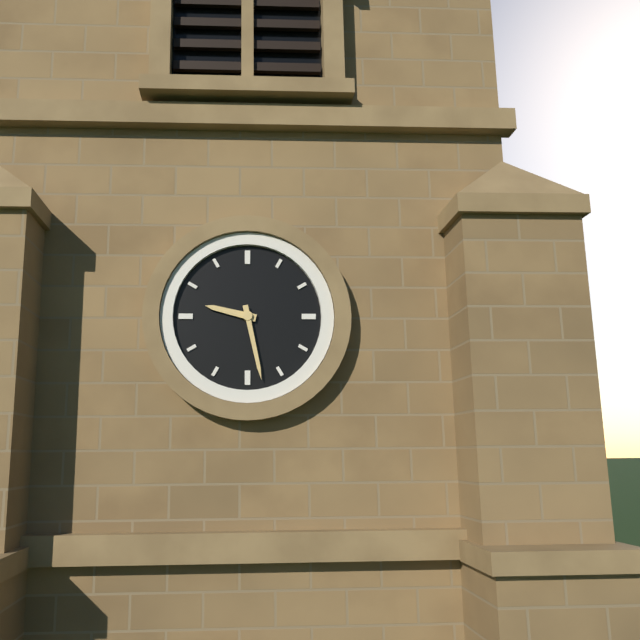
**9:28**
